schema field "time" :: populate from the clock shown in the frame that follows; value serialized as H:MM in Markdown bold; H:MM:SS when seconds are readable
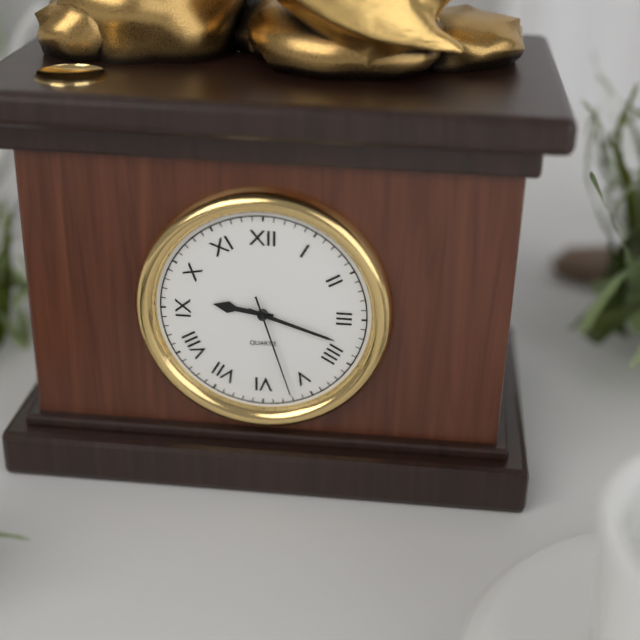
**9:18:27**
